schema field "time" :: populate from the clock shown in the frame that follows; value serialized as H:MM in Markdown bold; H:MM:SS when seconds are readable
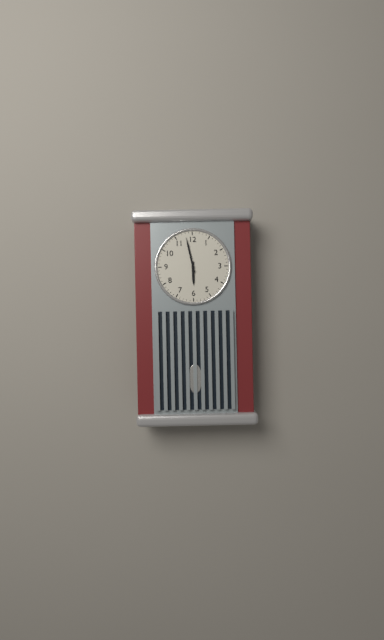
**5:58**
